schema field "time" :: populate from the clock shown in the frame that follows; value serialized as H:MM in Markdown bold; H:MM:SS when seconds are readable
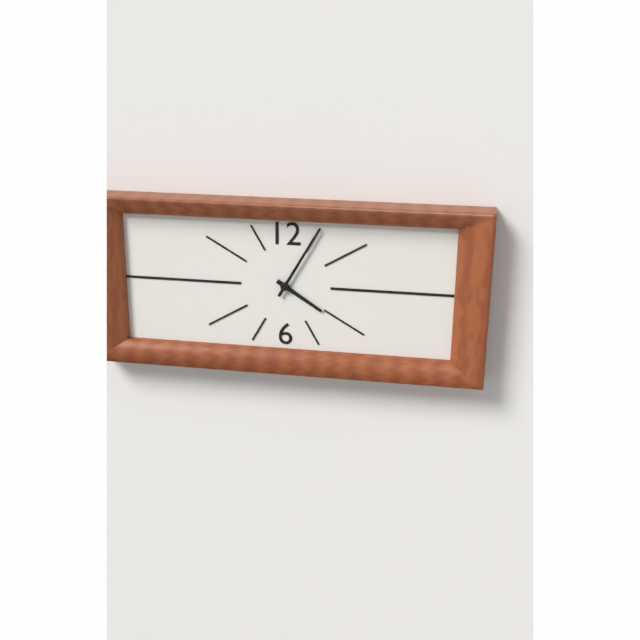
**4:05**
